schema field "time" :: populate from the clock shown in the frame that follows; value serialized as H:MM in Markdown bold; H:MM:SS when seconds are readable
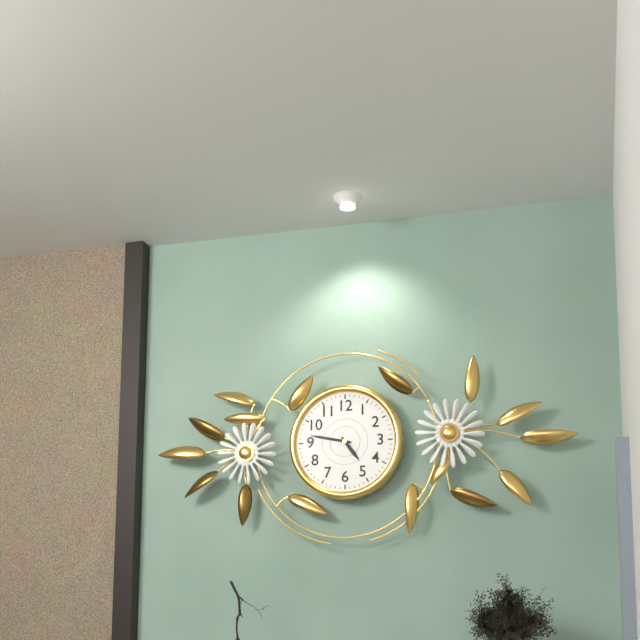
**4:47**
